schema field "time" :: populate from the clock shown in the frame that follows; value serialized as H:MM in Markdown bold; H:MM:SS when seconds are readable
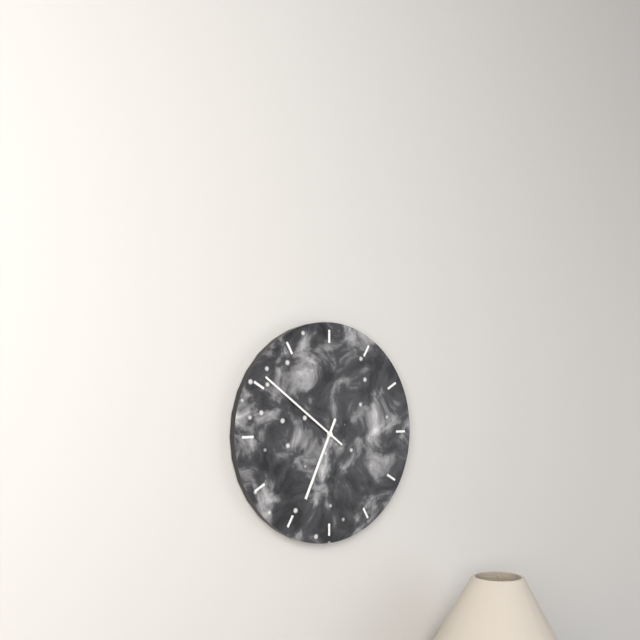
**6:51**
